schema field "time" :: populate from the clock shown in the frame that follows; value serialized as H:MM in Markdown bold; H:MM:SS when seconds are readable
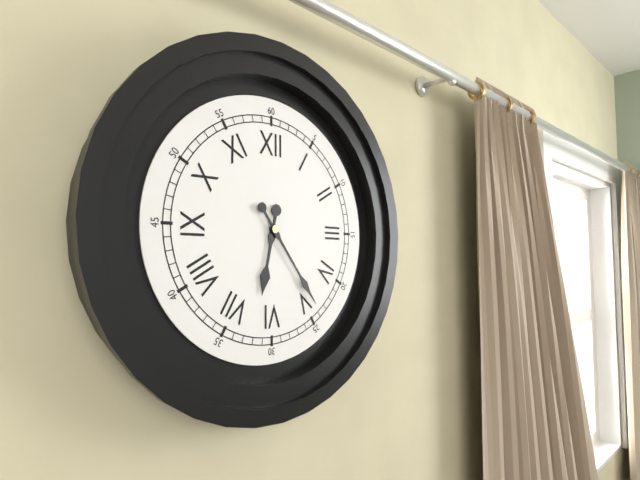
**6:24**
